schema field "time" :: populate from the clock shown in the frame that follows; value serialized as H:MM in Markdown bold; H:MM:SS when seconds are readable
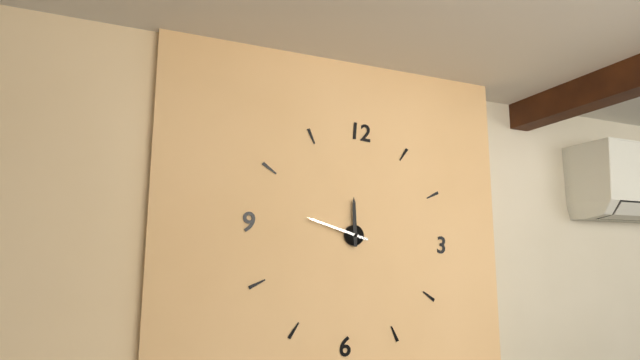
**11:47**
